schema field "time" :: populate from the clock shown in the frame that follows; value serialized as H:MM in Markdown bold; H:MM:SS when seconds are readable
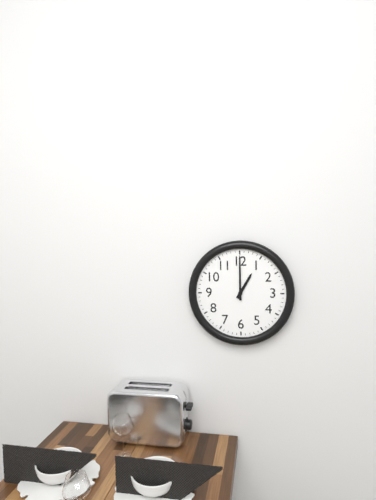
**1:00**
